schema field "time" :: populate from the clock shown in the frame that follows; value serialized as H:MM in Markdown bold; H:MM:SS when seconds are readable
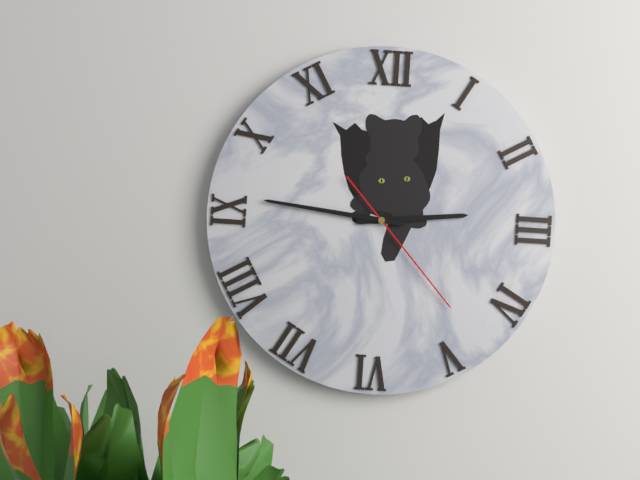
**2:46:23**
